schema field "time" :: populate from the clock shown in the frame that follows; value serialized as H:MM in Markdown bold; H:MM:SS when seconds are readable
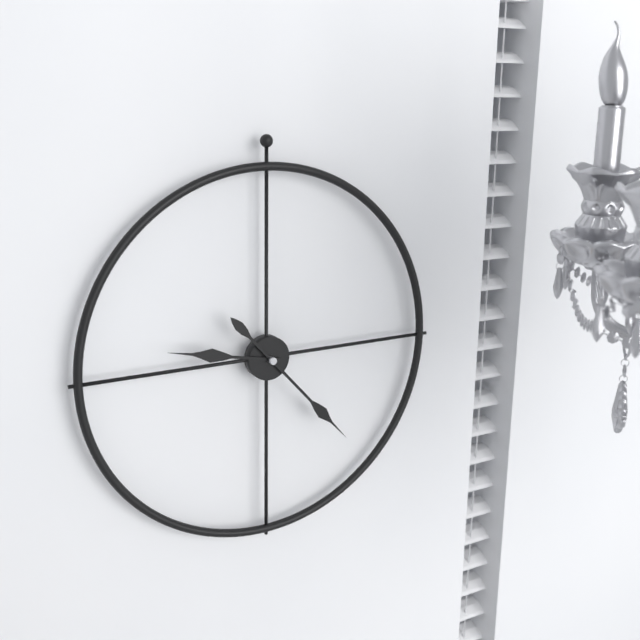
**9:23**
